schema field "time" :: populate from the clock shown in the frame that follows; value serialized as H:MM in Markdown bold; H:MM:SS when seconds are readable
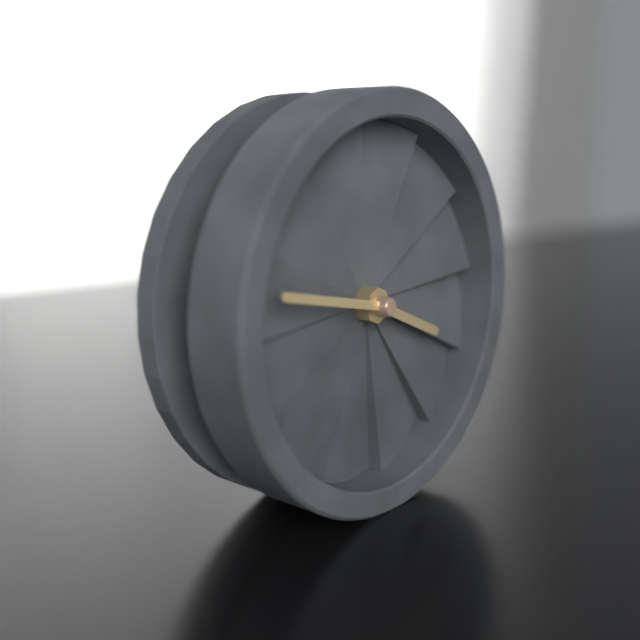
**3:47**
